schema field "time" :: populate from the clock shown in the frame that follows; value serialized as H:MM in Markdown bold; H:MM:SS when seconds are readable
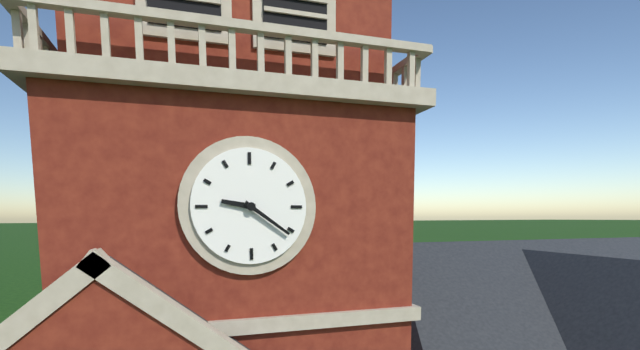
**9:21**
